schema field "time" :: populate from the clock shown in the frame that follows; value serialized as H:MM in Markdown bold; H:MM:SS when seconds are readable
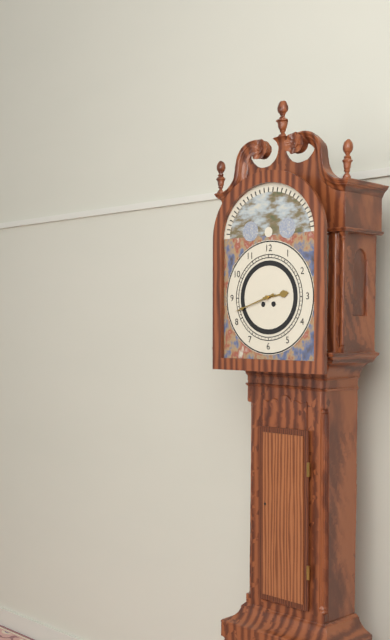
**2:42**
